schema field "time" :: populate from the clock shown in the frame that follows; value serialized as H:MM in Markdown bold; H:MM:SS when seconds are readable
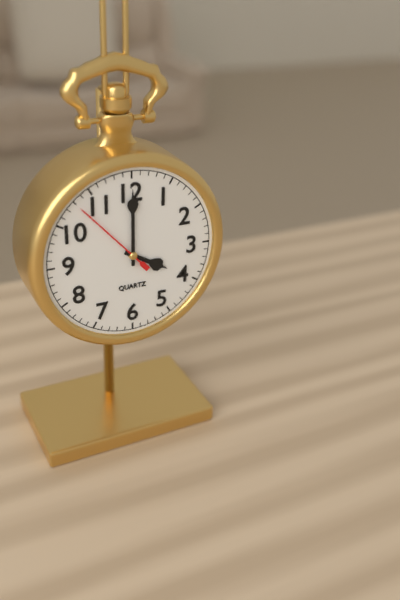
**4:00:53**
